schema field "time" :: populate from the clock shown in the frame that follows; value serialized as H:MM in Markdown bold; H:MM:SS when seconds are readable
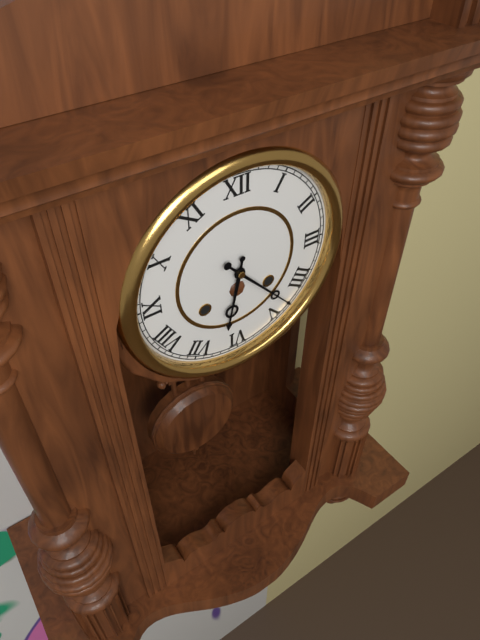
**6:23**
